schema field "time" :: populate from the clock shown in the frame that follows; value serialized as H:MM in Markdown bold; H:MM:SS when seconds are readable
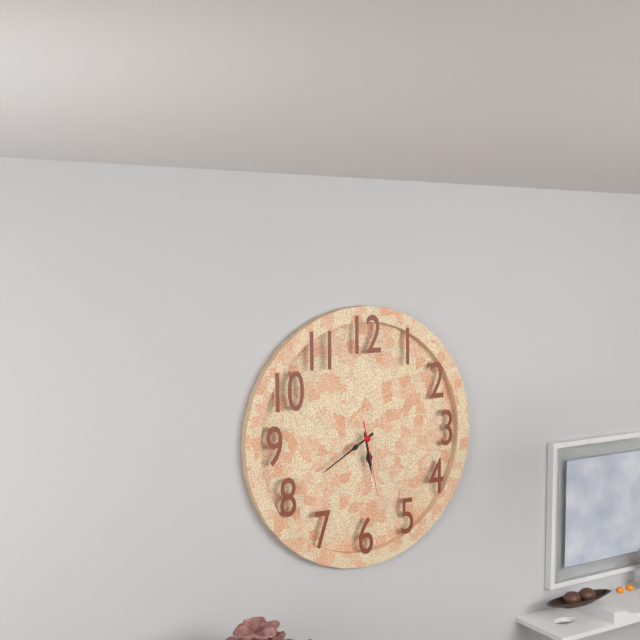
**5:40:28**
